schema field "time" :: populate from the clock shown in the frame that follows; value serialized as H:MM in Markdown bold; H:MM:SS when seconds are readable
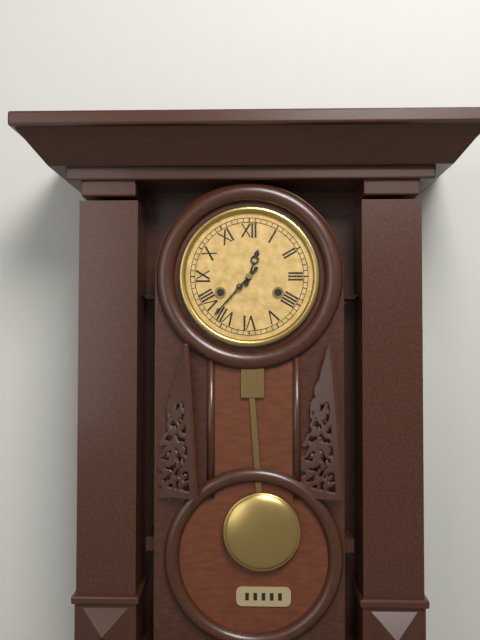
**12:37**
